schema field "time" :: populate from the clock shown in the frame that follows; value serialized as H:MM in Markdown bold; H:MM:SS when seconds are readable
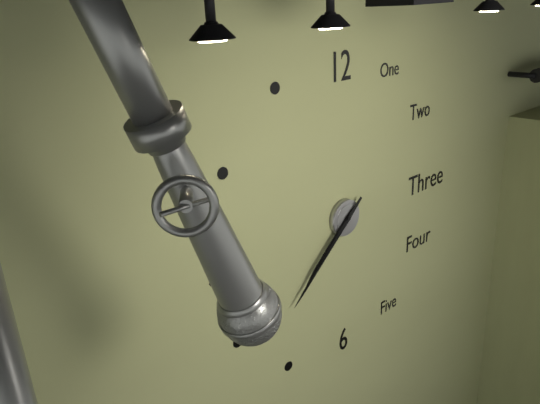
**7:38**
